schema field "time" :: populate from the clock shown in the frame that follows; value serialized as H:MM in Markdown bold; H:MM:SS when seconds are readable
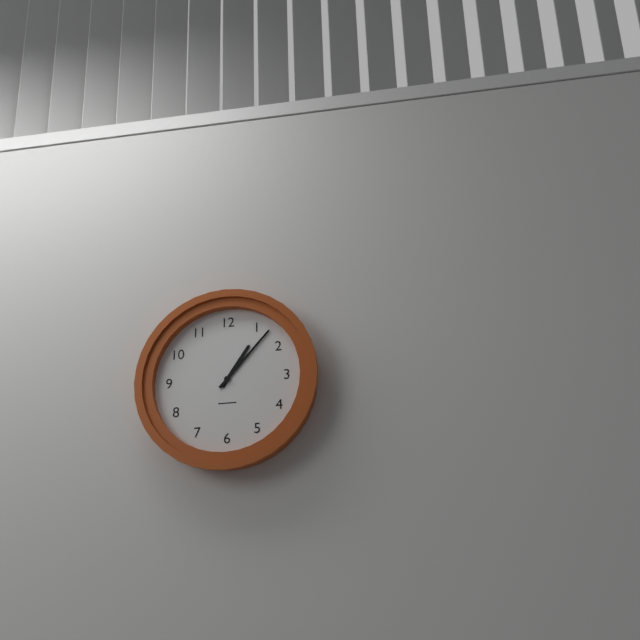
**1:07**
